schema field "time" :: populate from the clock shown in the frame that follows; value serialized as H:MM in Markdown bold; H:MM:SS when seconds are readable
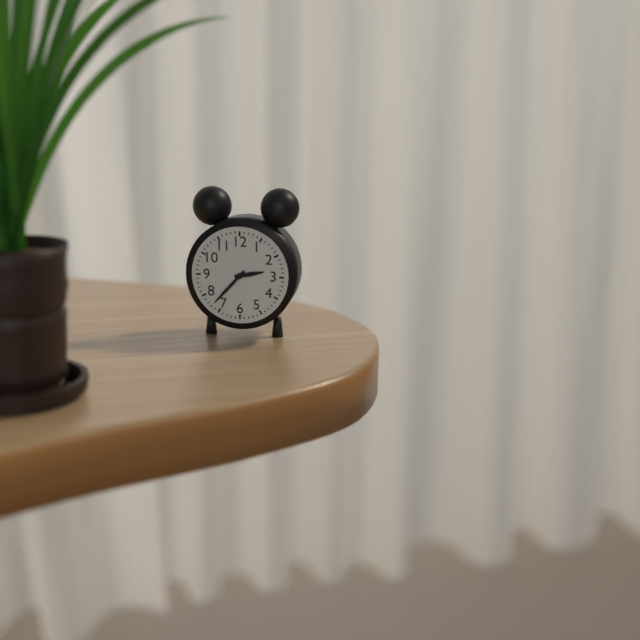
**2:37**
